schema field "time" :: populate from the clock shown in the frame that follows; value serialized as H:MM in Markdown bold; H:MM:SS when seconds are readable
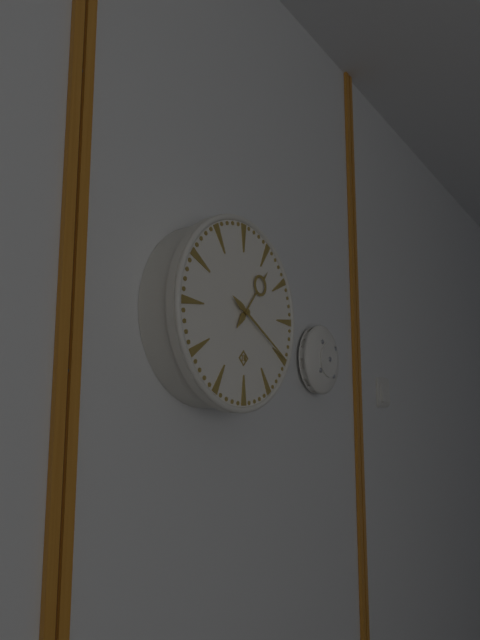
**1:20**
